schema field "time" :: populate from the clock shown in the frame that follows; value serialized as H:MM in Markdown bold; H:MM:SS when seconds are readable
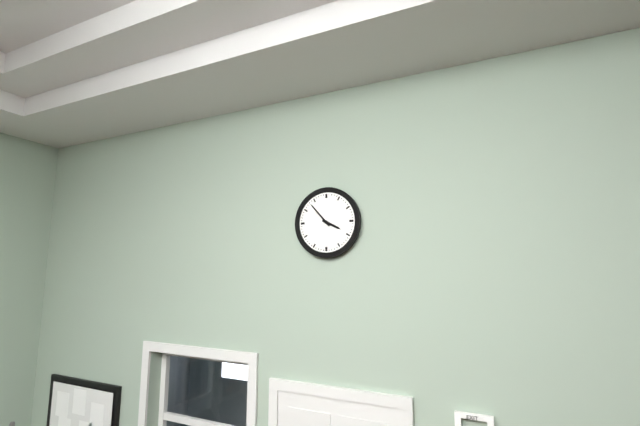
**3:53**
